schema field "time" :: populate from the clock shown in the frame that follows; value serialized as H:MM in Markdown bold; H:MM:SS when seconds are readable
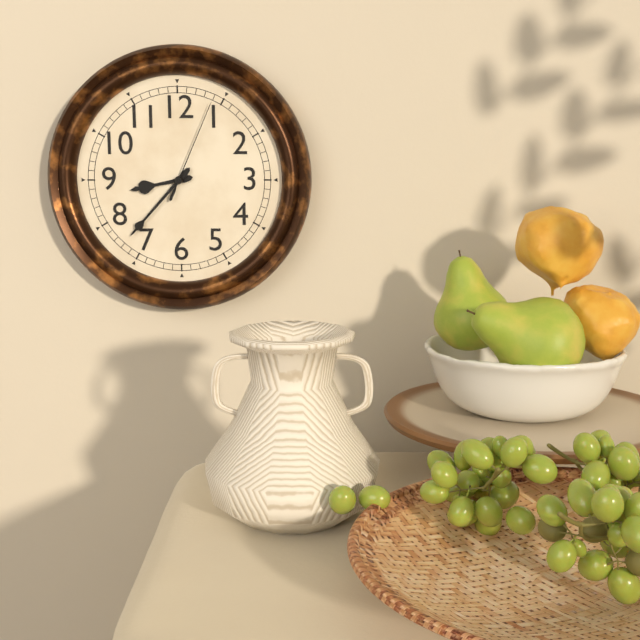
**8:37:04**
